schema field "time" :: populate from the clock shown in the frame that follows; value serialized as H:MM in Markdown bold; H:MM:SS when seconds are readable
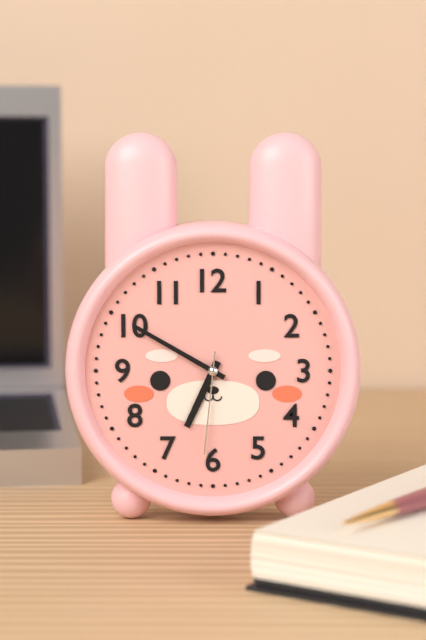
**6:50:31**
